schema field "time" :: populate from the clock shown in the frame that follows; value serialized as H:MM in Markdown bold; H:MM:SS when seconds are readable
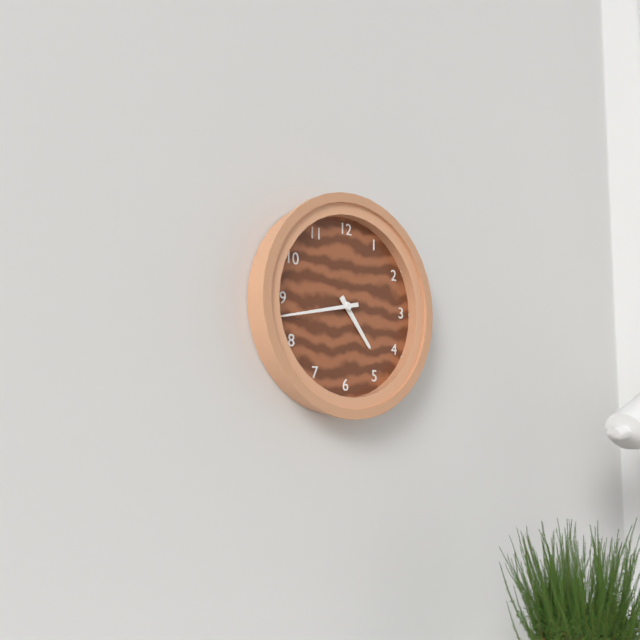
**4:43**
